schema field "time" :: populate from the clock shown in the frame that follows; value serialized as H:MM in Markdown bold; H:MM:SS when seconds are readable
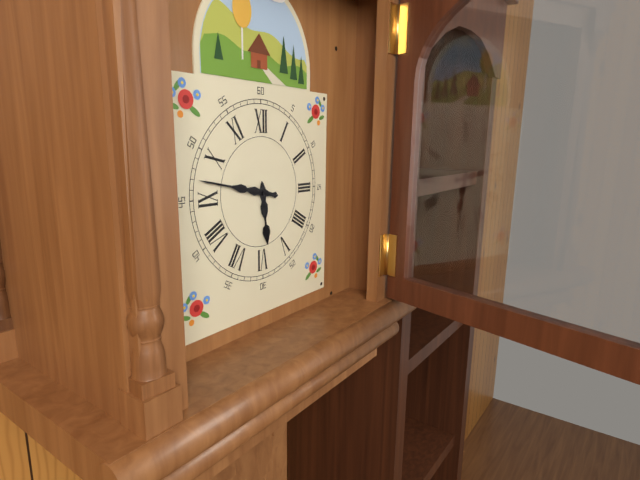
**5:47**
